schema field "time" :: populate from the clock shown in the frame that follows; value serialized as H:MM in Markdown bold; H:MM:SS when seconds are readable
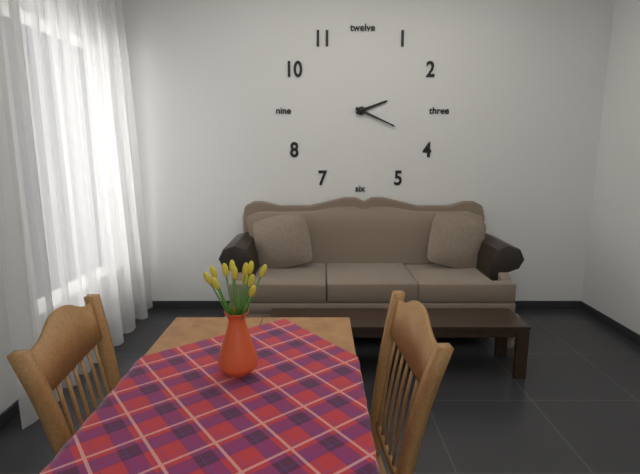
**2:19**
